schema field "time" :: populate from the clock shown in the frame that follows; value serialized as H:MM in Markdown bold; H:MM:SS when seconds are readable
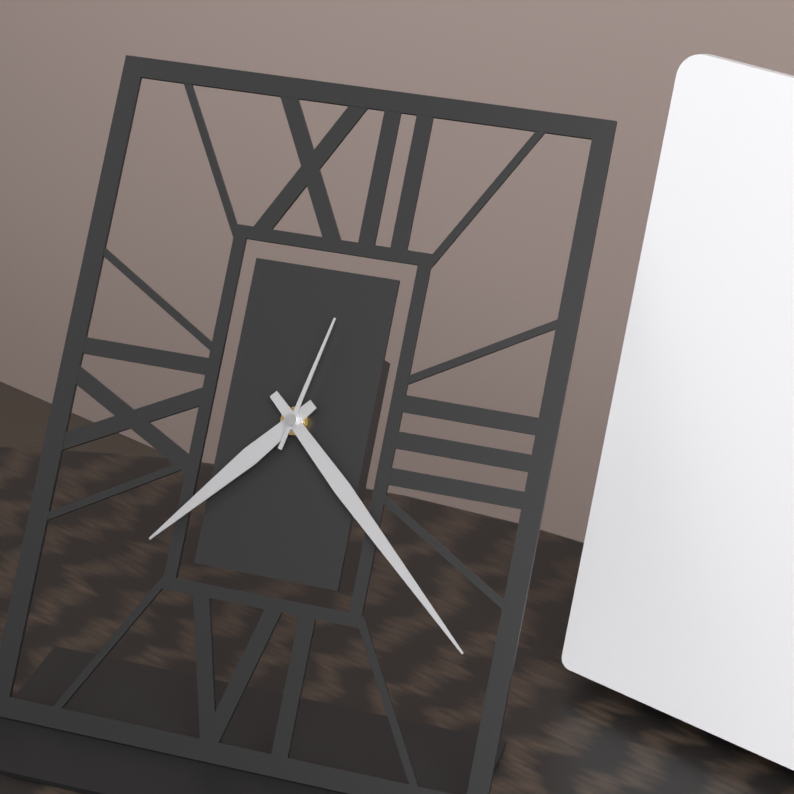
**7:22:02**
